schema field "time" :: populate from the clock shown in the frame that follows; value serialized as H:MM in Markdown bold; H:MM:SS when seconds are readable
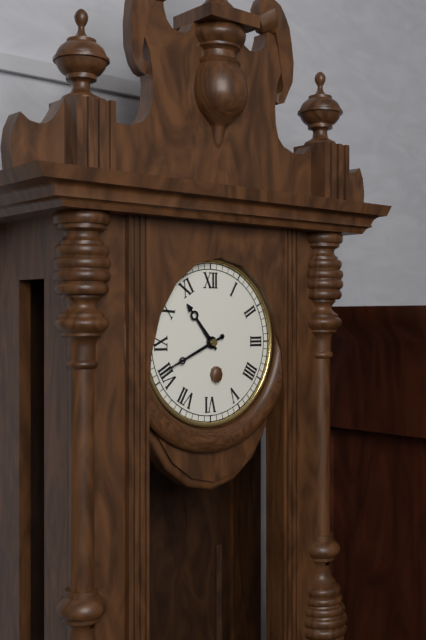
**10:41**
